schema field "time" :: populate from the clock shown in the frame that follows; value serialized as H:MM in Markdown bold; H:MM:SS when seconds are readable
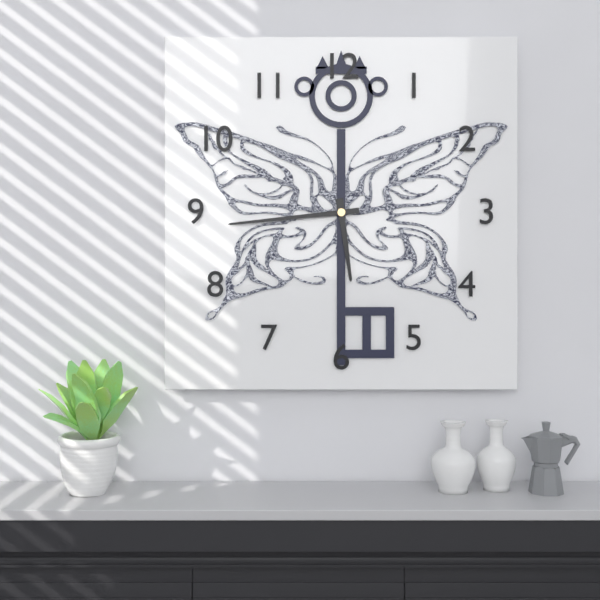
**5:44**
